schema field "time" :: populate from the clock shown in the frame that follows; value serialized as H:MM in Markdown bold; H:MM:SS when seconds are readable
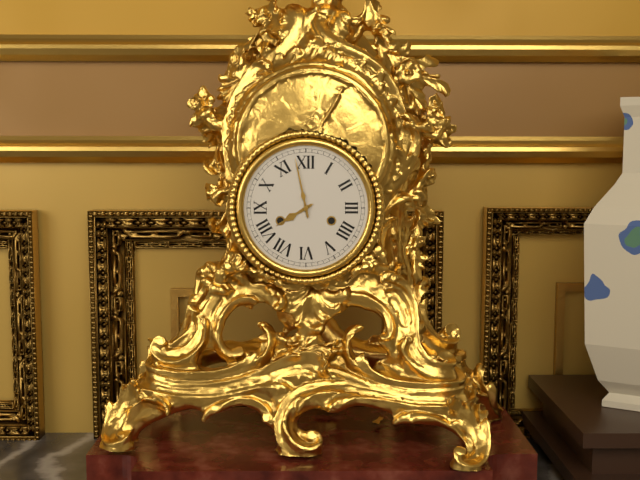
**7:58**
